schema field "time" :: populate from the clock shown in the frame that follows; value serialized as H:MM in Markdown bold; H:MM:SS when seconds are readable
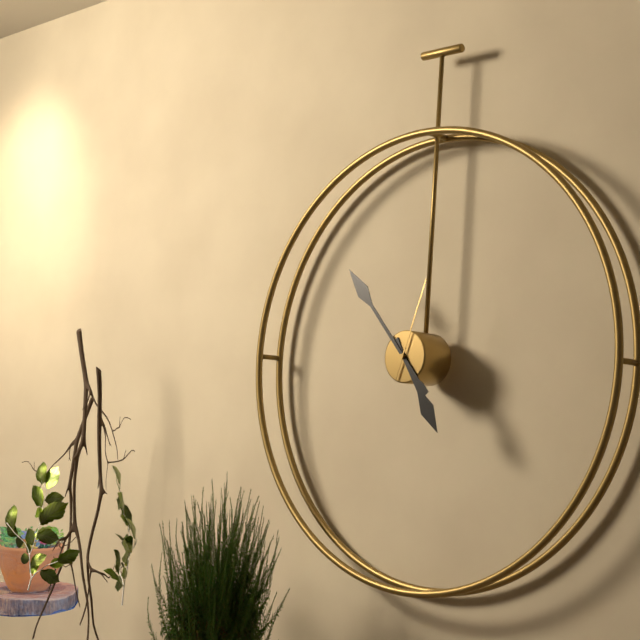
**4:53:03**
